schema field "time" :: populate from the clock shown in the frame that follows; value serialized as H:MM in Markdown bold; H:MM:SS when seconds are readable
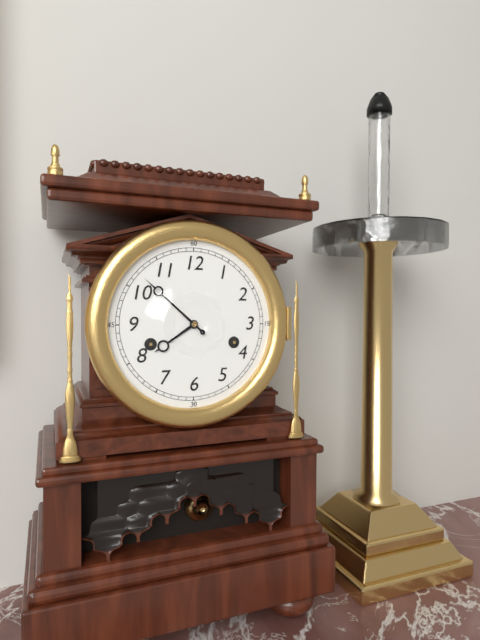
**7:52**
